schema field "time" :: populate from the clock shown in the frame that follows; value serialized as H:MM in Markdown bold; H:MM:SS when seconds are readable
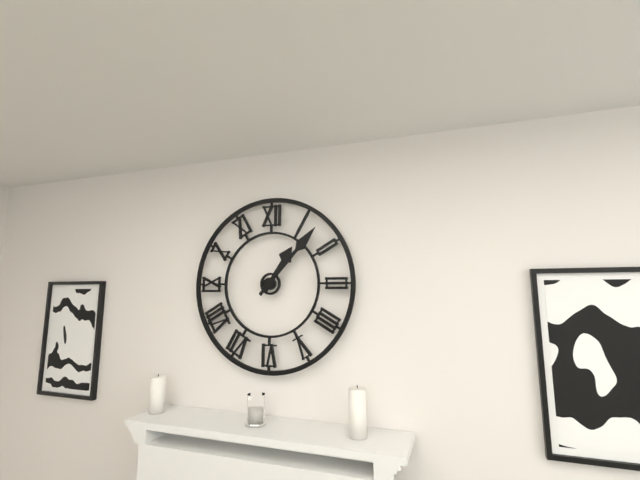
**1:07**
